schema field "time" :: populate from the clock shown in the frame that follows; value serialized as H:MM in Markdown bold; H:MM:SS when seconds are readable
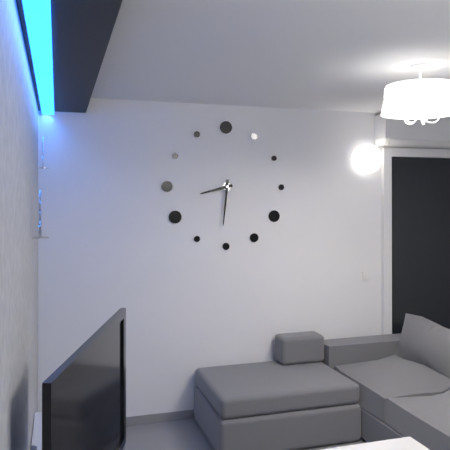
**8:31**
